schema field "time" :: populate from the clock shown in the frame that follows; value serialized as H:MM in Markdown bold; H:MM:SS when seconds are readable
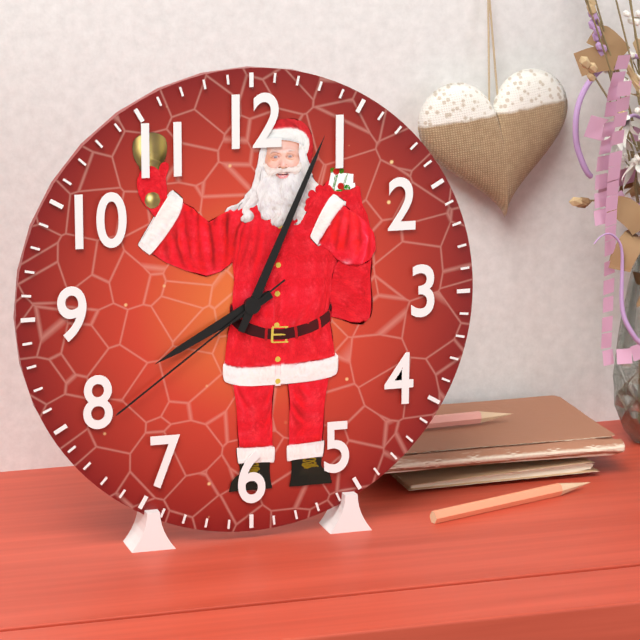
**8:04:39**
